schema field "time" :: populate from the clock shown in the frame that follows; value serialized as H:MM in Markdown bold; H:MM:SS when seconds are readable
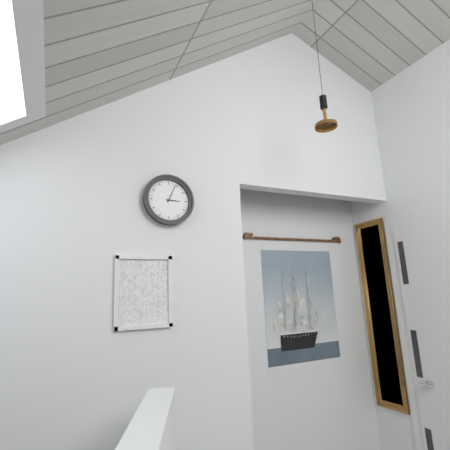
**3:04**
